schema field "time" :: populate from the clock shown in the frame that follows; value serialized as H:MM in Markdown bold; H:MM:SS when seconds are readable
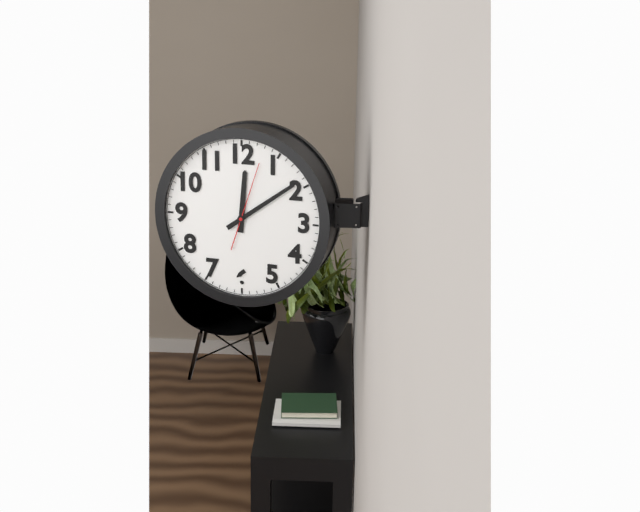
**12:09:03**
